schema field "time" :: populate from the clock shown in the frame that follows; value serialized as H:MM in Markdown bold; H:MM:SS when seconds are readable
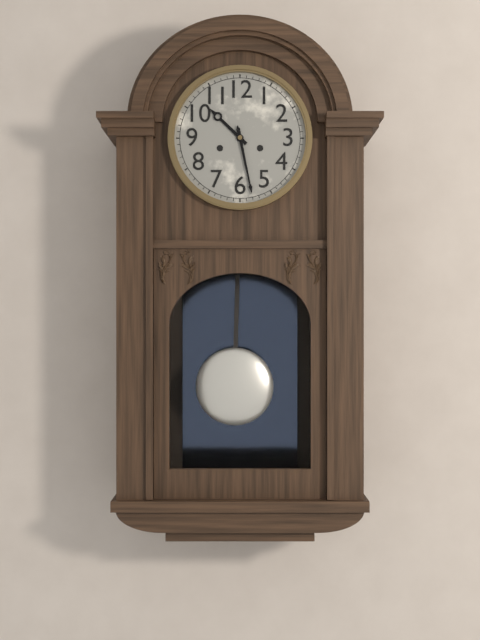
**10:28**
